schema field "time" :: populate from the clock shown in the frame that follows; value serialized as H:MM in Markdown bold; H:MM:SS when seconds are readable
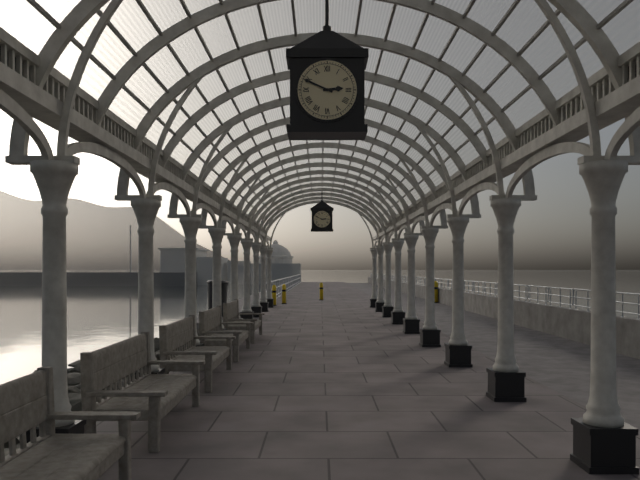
**2:49**
